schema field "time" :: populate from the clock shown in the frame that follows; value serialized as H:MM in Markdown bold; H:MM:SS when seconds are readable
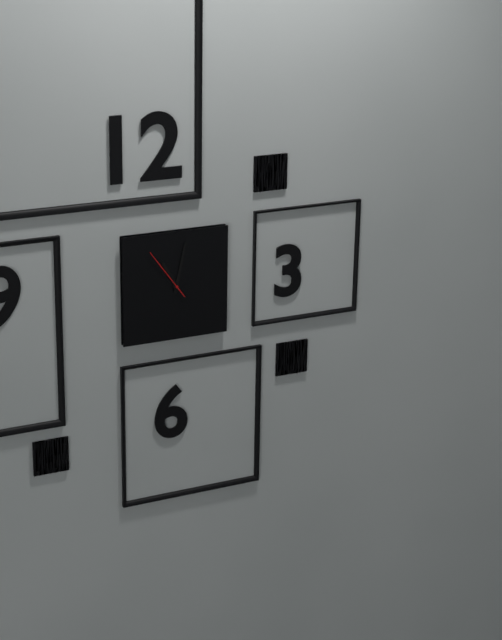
**11:02:54**
